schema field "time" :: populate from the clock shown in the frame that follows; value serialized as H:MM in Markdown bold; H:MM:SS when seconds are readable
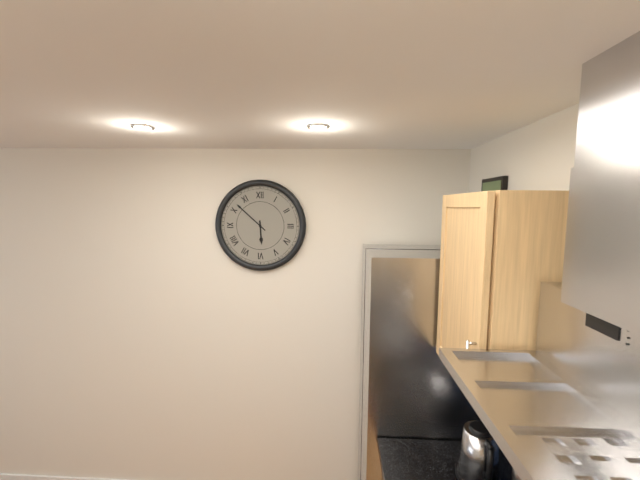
**5:52**
